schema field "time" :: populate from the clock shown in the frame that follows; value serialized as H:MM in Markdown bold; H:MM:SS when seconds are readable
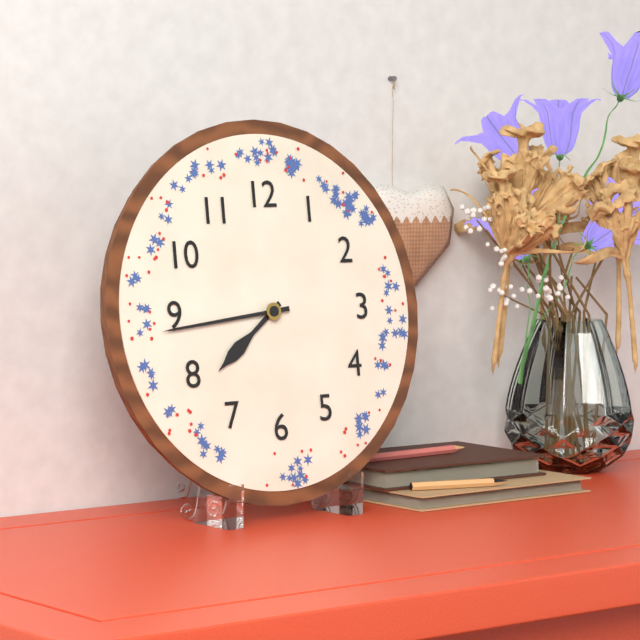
**7:44**
